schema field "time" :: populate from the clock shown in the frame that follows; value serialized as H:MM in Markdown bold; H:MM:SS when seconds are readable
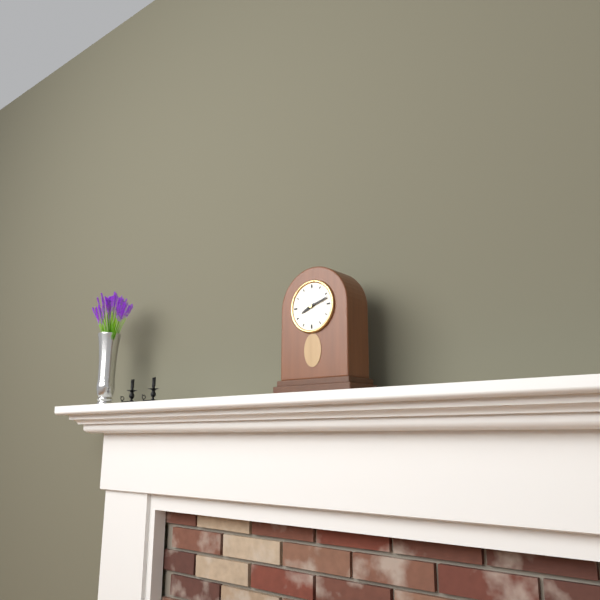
**8:12**
